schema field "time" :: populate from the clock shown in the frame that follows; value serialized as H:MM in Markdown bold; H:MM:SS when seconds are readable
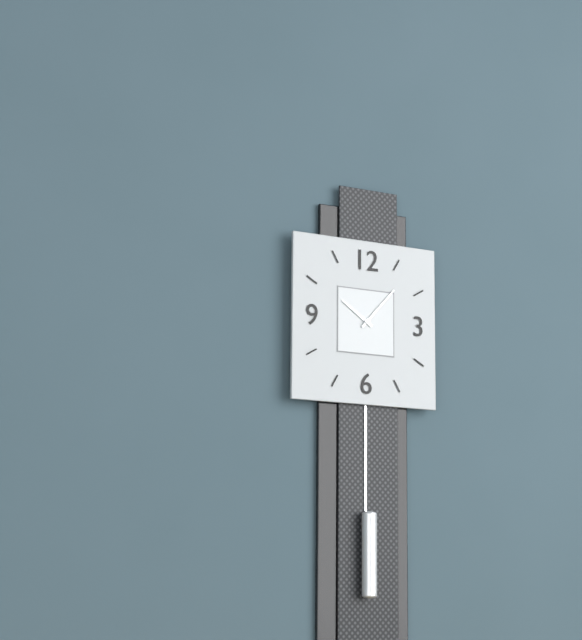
**10:07**
